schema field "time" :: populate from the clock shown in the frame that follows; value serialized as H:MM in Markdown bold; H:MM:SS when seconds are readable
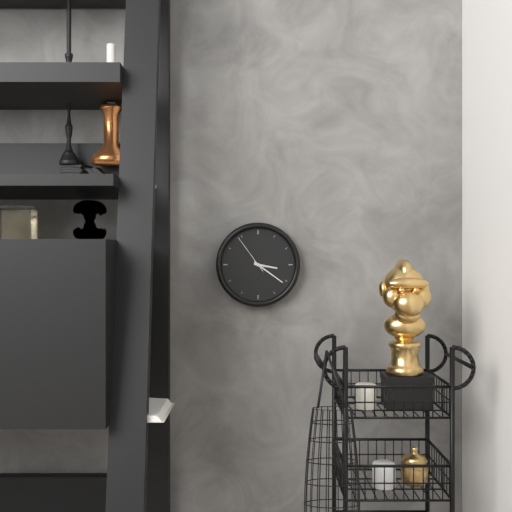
**3:21**
